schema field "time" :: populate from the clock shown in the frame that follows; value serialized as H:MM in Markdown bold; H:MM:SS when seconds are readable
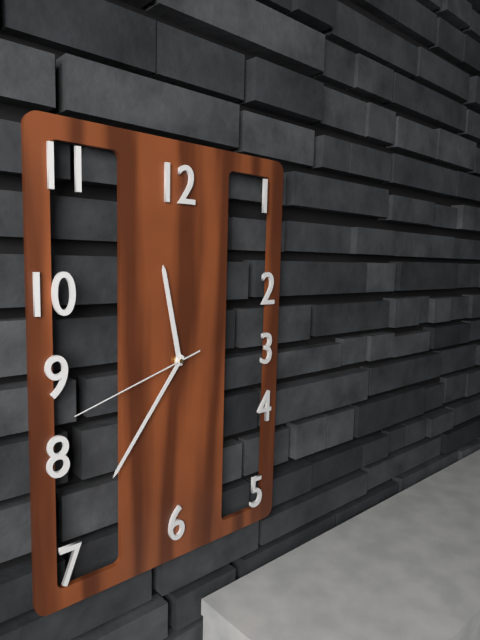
**11:36:42**
